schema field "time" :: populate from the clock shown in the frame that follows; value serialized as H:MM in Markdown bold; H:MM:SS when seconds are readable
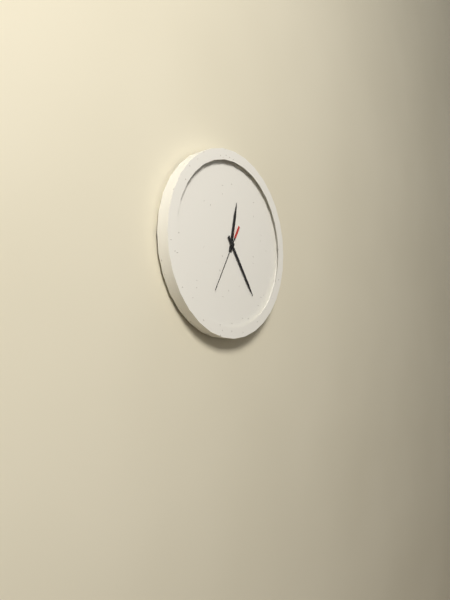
**12:24:35**
